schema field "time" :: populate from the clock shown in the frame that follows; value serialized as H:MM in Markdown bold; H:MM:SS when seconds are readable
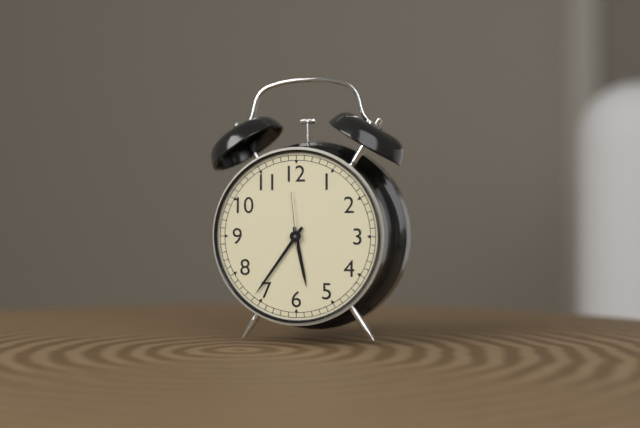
**5:36:59**
